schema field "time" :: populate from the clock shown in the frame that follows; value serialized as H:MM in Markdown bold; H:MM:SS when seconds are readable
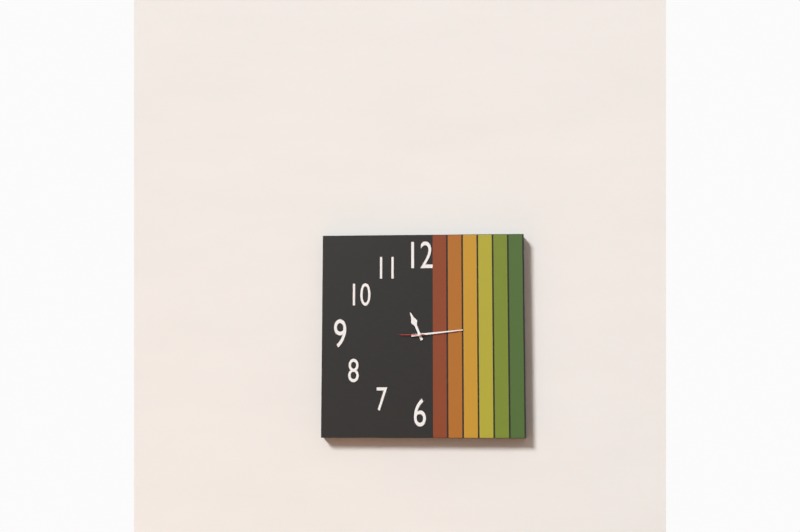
**11:14**
